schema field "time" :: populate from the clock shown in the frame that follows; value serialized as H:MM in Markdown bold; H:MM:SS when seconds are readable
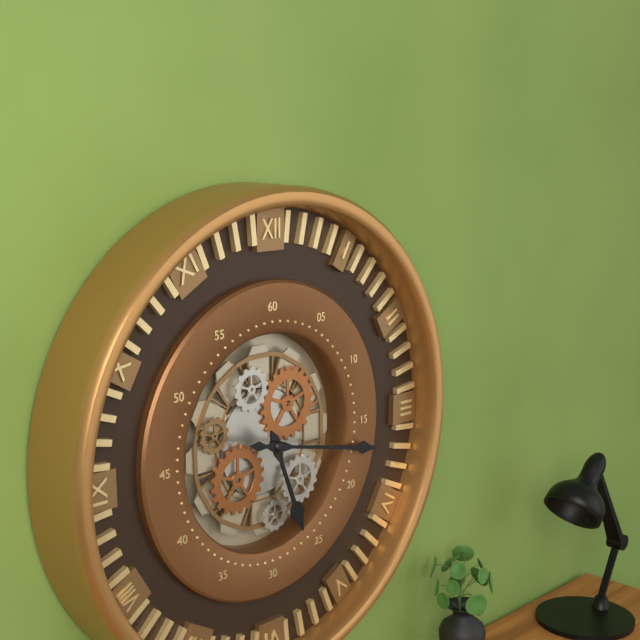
**5:17**
